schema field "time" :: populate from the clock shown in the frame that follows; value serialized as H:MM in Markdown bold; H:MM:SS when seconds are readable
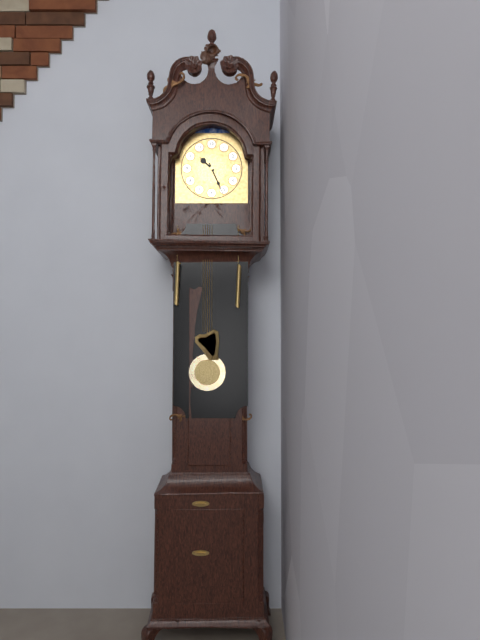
**10:26**
